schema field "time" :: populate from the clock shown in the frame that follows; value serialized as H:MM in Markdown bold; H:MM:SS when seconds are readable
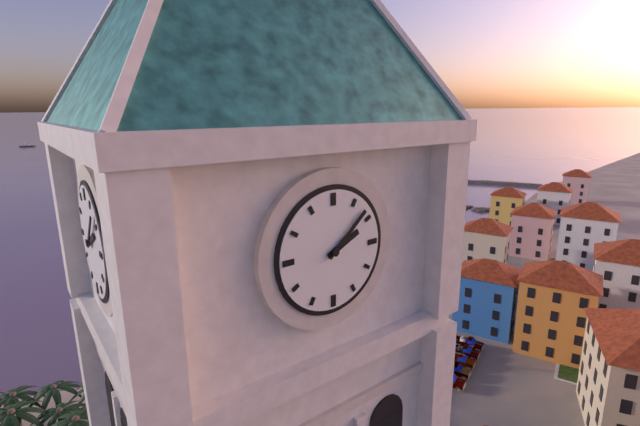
**2:08**
